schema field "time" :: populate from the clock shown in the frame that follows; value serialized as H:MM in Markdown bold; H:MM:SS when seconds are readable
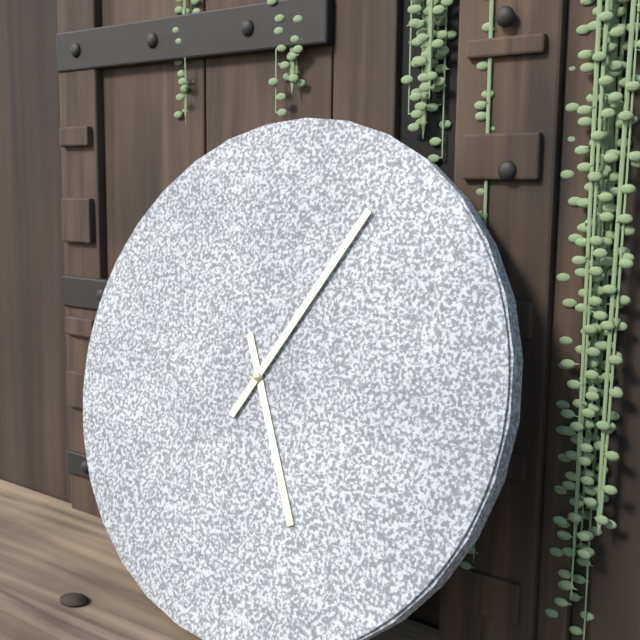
**5:05**
